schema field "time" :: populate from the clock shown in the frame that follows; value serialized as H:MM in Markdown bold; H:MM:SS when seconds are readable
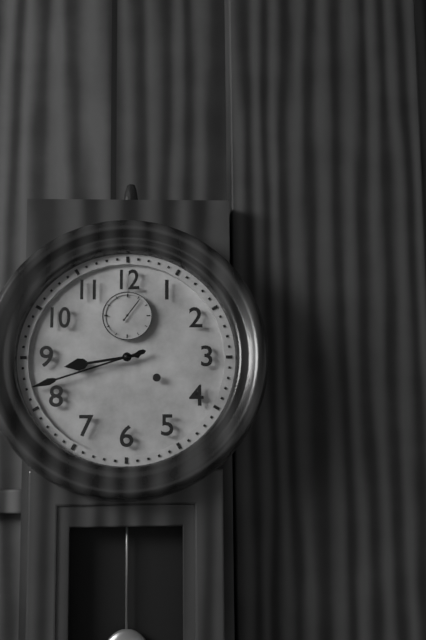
**8:42**
